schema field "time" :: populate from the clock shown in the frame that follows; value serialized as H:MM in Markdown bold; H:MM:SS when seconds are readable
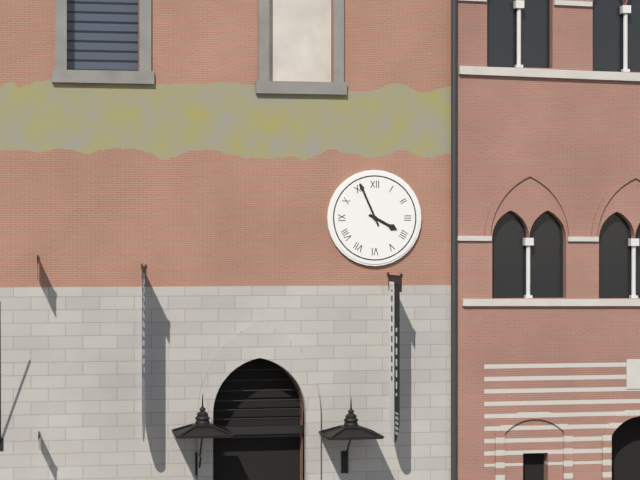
**3:56**
